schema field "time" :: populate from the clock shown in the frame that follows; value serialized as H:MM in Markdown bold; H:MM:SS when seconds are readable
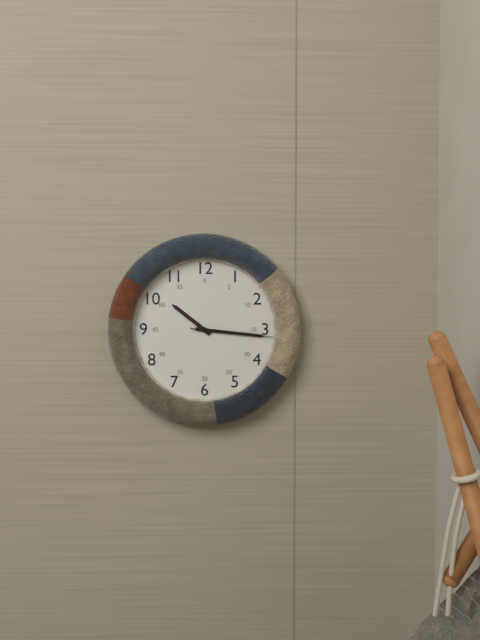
**10:16:16**
